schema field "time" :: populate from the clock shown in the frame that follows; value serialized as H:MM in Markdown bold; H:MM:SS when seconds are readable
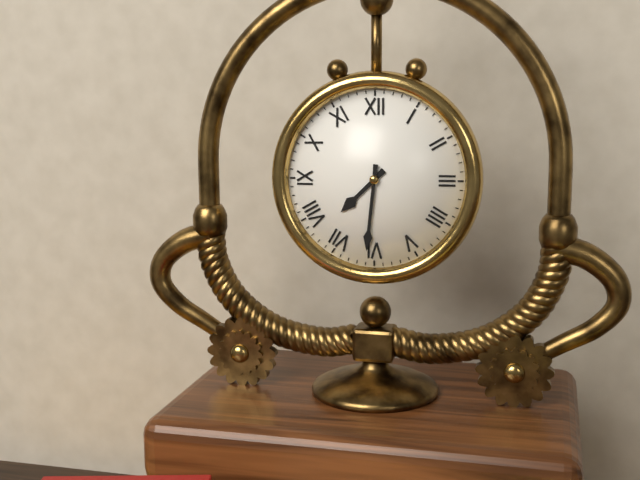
**7:31**
